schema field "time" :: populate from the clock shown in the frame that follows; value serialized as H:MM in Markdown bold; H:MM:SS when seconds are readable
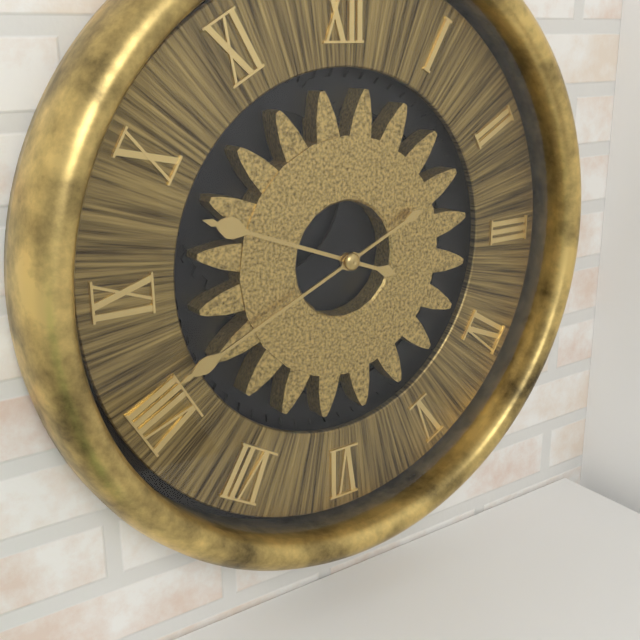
**9:41**
